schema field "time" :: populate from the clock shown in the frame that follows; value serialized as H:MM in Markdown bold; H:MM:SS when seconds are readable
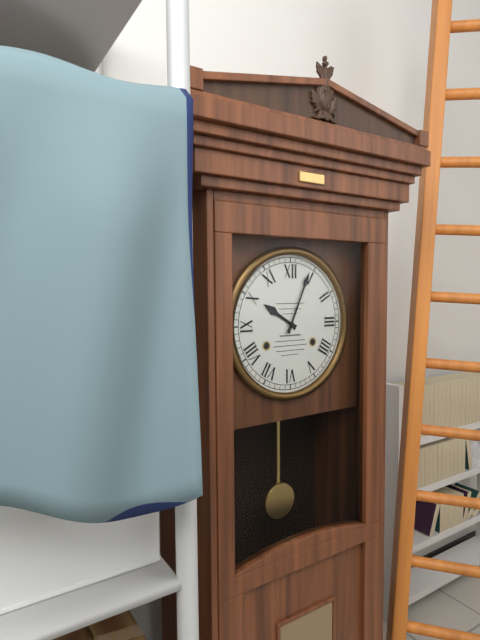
**10:04**
